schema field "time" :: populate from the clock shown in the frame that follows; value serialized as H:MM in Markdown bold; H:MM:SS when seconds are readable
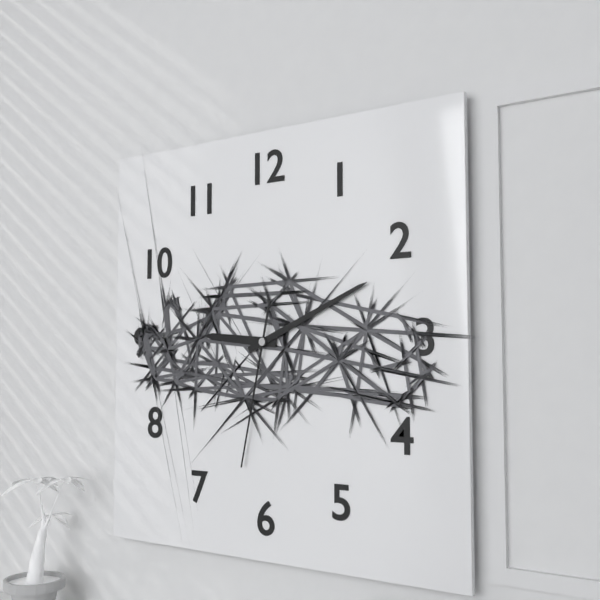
**9:11:32**
